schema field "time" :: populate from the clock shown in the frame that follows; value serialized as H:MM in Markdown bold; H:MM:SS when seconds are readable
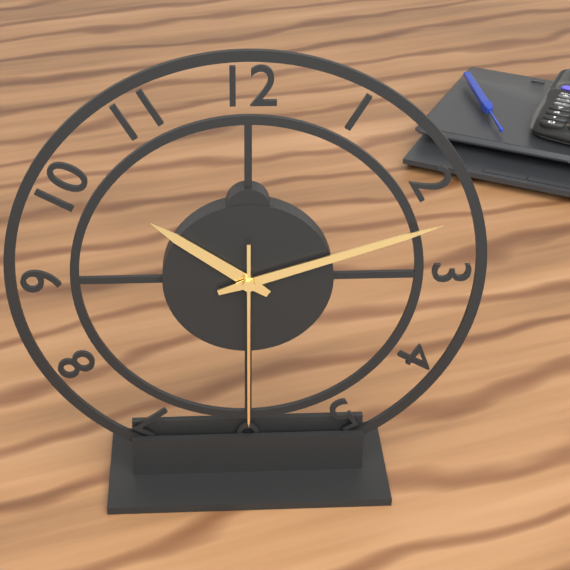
**10:12:30**
